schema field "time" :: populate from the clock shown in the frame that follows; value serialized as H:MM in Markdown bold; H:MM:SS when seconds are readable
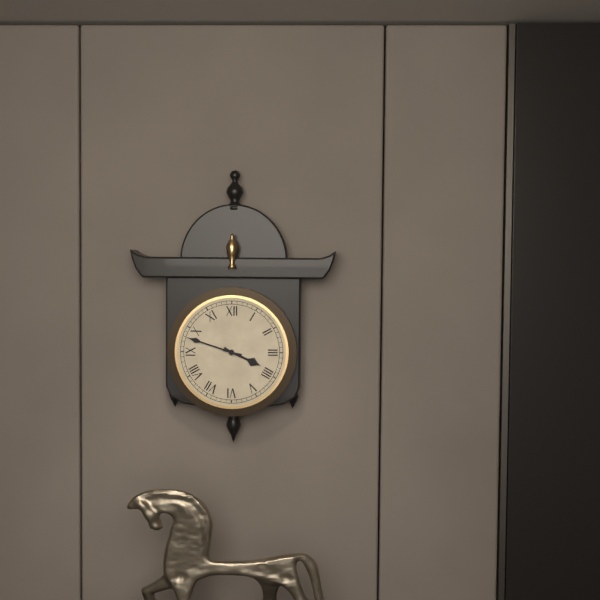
**3:48**
